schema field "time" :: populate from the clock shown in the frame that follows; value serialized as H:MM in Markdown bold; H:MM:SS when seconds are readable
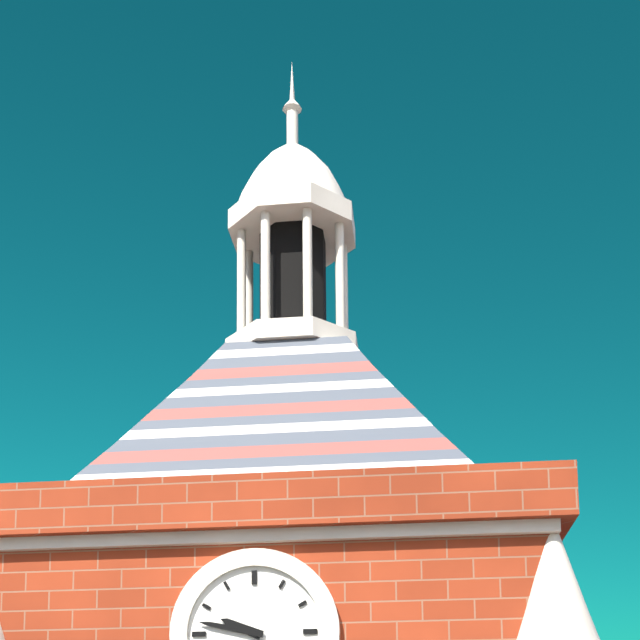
**9:47**
